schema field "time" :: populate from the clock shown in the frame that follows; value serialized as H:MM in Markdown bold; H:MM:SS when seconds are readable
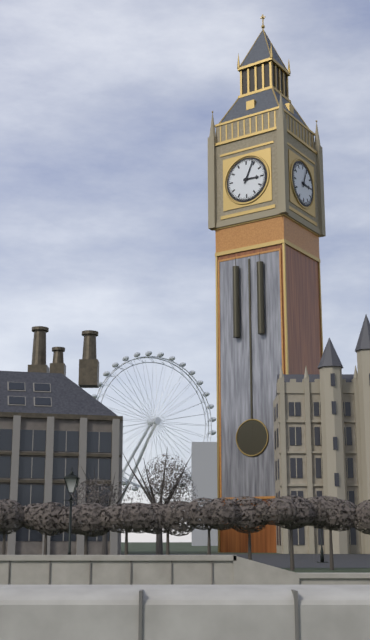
**3:04**
